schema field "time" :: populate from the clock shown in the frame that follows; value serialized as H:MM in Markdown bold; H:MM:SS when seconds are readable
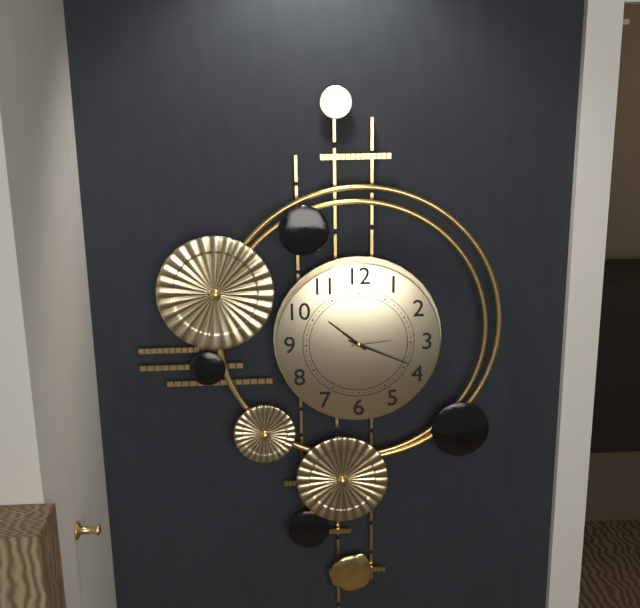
**10:19**
